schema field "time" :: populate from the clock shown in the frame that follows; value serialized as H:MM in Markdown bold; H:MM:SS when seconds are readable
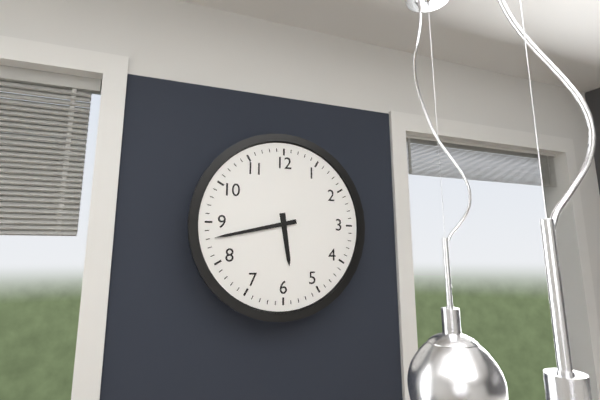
**5:43**
